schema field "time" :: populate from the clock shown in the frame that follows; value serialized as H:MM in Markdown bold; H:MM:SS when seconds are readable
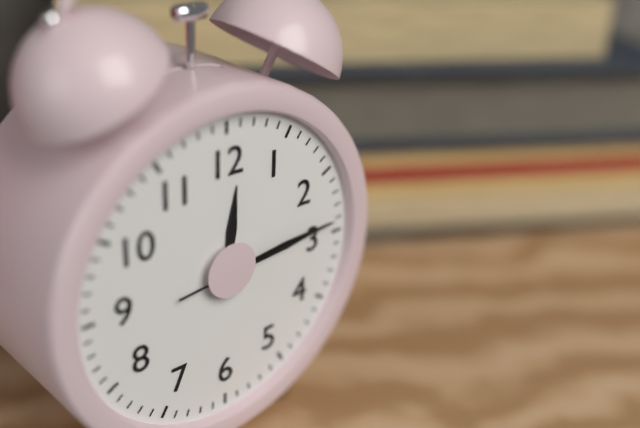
**12:14:14**
